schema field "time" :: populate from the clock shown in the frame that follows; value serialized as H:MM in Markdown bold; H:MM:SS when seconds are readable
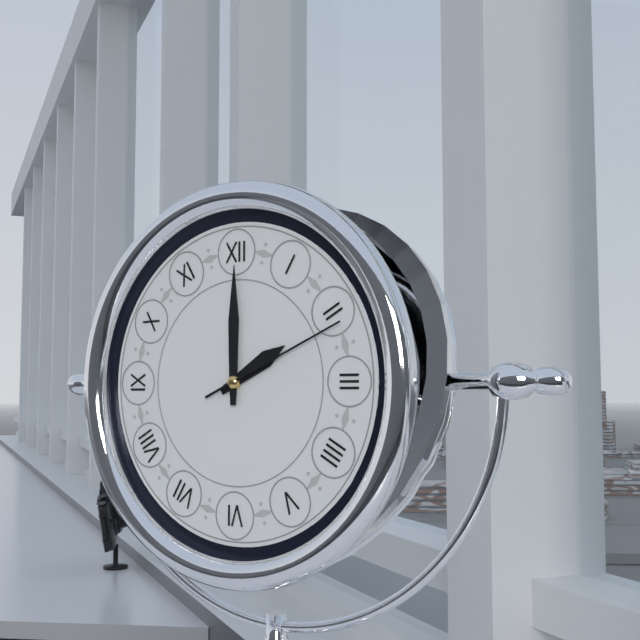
**2:00:11**
